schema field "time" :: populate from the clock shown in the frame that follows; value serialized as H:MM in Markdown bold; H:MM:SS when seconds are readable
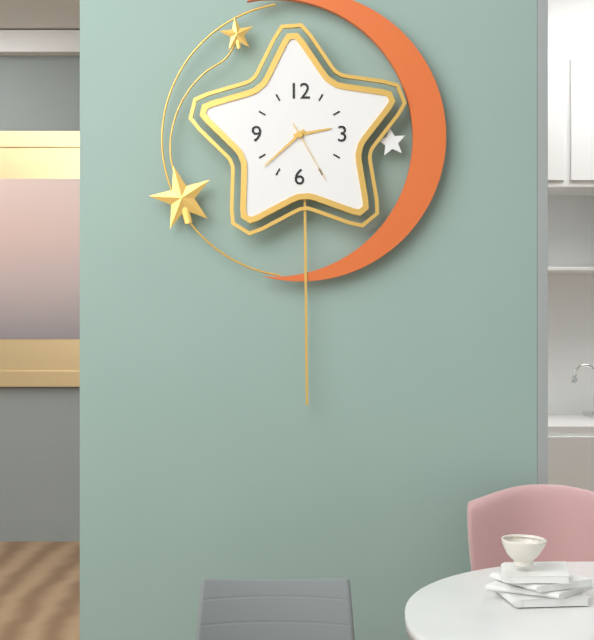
**2:38:25**
